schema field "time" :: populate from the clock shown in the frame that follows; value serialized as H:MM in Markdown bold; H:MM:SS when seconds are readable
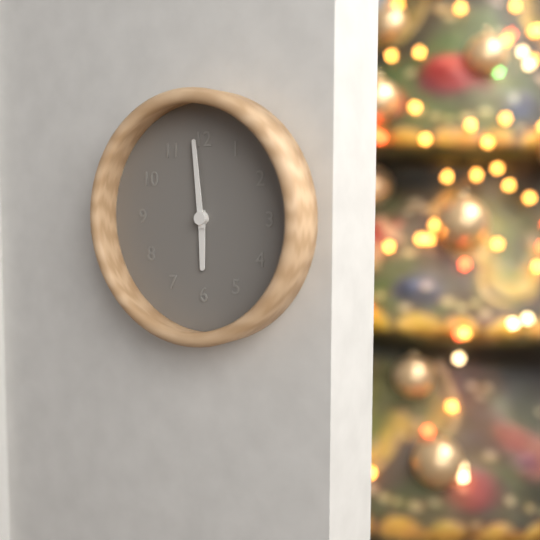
**5:59**
